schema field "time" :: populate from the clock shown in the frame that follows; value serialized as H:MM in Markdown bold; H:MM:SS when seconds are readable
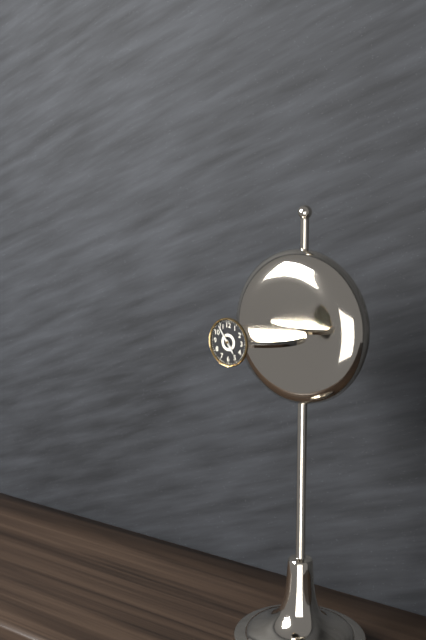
**4:54**
